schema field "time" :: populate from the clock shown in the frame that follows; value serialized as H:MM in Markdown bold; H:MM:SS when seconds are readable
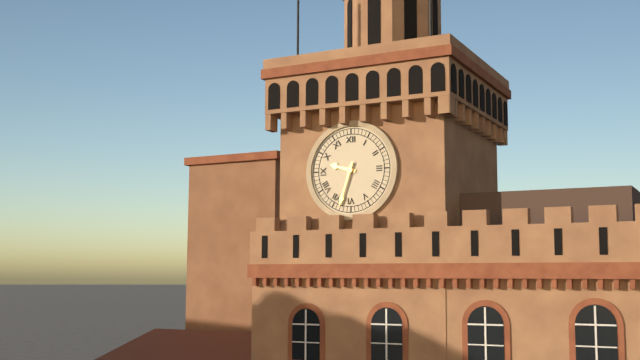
**9:33**
